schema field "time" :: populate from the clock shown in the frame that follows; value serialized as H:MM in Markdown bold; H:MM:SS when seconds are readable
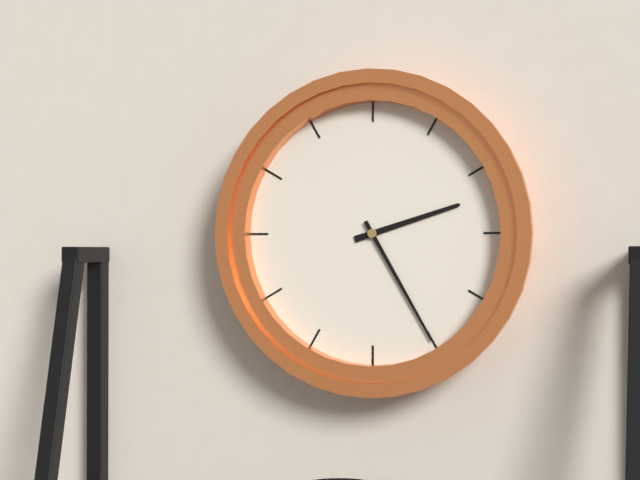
**2:25**
